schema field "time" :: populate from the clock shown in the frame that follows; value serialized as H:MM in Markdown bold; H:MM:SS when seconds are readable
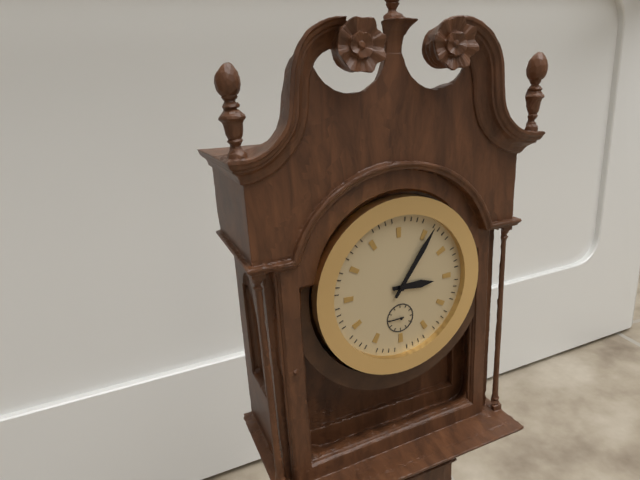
**3:06**
